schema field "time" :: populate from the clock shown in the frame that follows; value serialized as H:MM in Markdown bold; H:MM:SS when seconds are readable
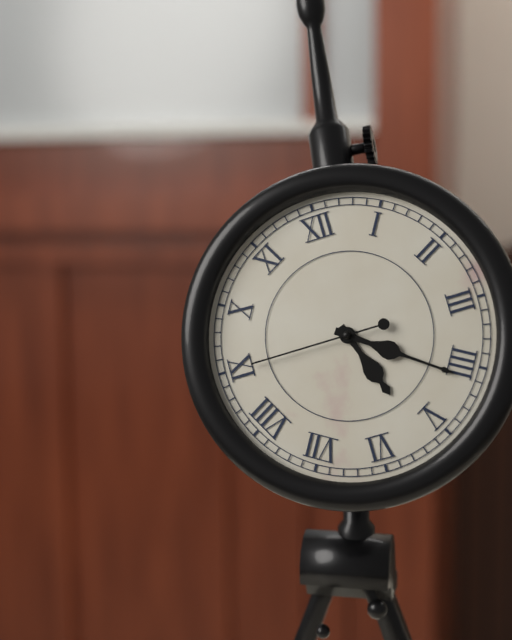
**5:21:45**
